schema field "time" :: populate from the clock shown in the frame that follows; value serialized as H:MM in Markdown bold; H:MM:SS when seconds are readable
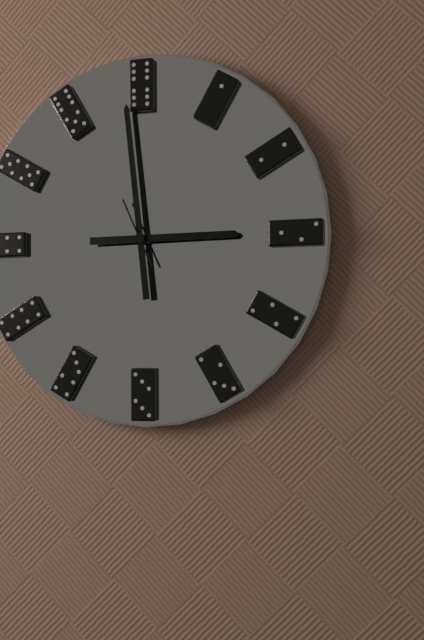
**2:59:56**
